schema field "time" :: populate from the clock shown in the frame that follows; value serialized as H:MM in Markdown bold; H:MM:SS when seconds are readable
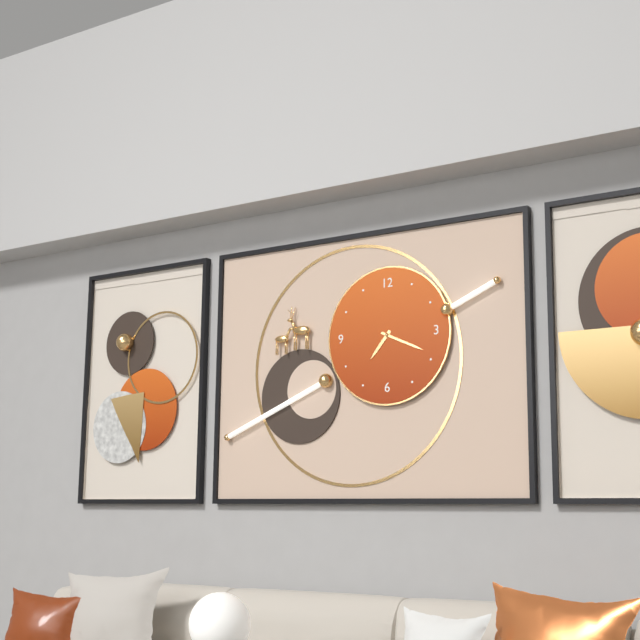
**7:19**
